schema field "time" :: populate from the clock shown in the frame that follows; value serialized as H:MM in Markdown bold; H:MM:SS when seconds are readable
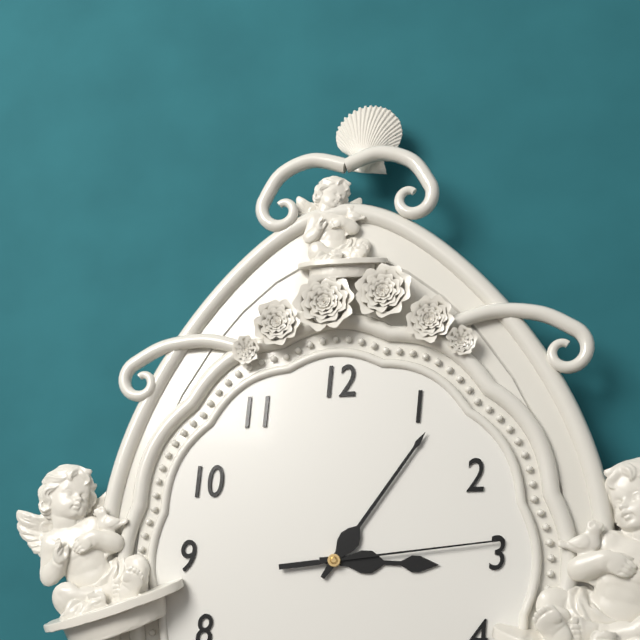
**3:06:14**
